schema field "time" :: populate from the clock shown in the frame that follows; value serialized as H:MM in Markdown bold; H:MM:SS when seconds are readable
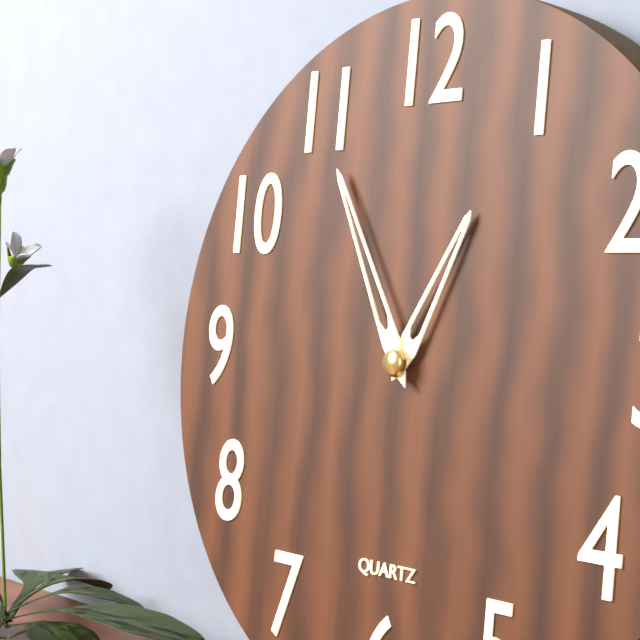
**12:55**
